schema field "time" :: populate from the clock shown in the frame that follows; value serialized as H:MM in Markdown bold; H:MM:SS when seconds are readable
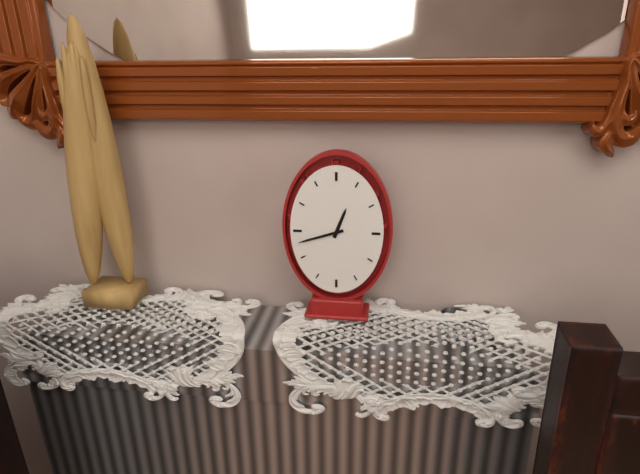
**12:42**
